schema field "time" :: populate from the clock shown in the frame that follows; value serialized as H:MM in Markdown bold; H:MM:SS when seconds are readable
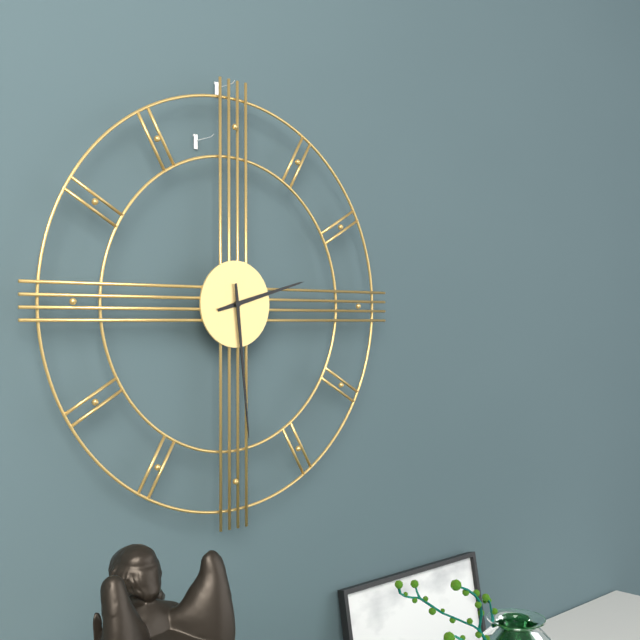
**2:29**
